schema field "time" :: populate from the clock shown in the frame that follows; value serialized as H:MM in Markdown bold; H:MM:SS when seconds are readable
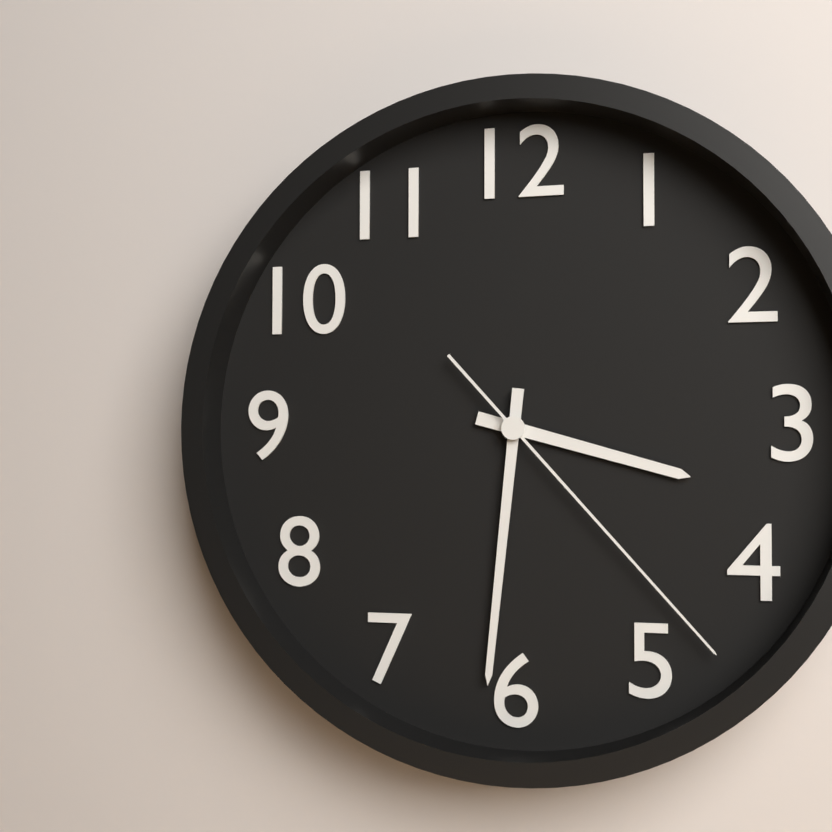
**3:31:23**
